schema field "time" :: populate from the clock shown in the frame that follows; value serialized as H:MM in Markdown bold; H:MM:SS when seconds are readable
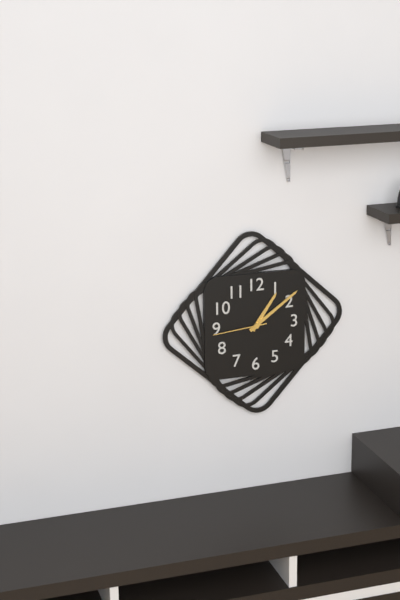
**1:09:44**
